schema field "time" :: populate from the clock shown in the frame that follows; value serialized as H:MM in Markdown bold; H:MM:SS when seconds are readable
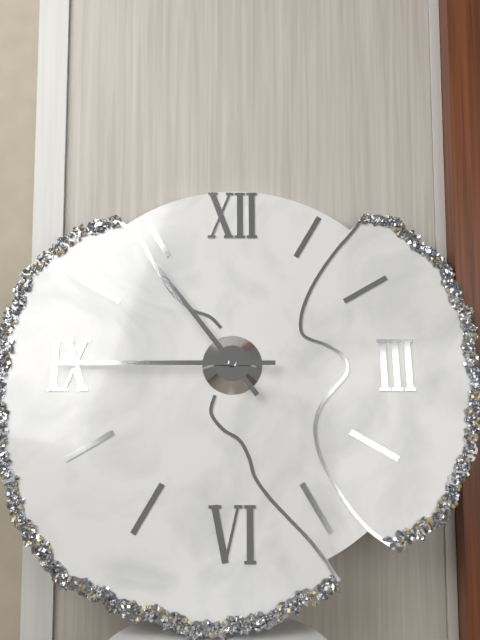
**10:45**
